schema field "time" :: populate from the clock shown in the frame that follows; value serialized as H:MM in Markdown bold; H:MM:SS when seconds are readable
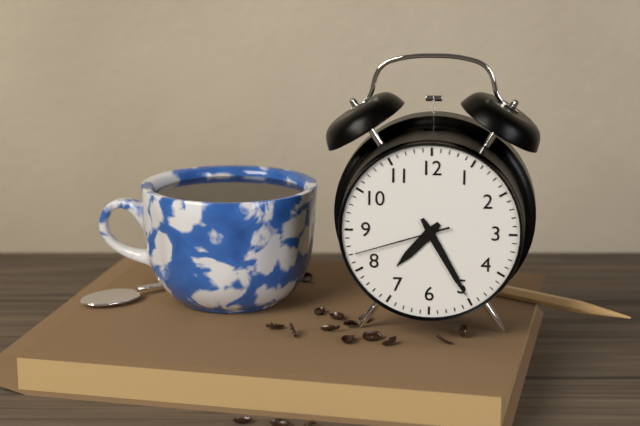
**7:25:42**
